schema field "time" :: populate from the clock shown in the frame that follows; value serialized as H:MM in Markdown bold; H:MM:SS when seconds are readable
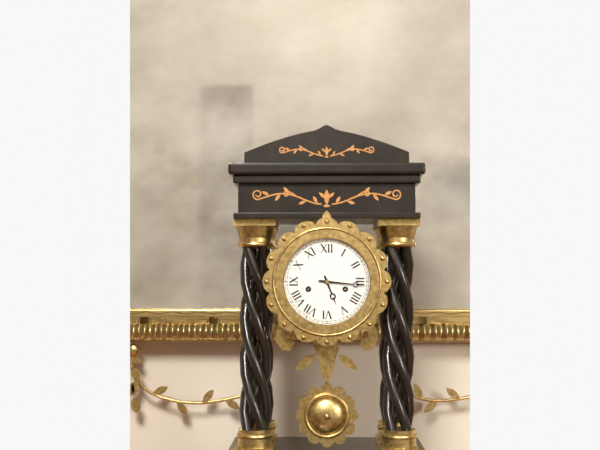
**5:16**
